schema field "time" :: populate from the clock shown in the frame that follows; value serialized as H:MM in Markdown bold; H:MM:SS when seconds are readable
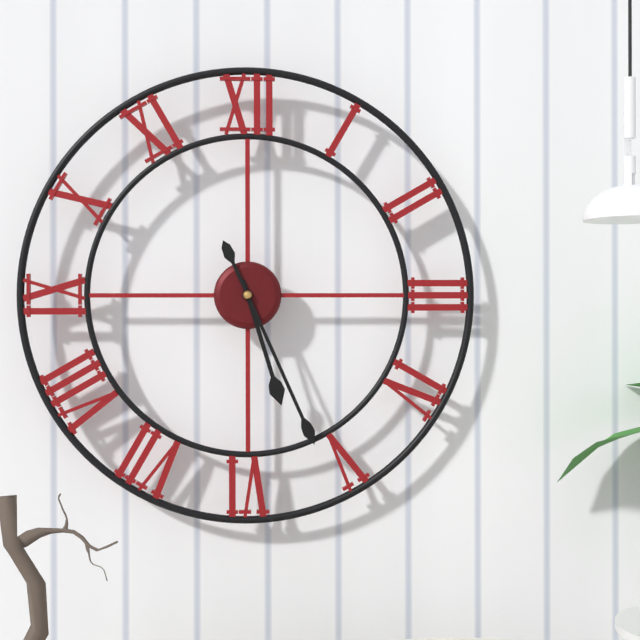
**5:26**
